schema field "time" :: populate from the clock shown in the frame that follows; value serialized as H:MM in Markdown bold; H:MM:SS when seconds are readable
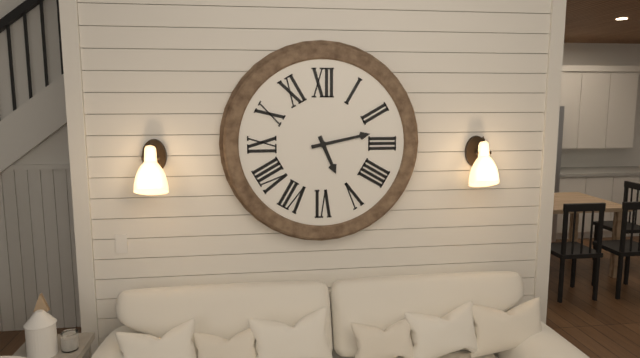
**5:13**
